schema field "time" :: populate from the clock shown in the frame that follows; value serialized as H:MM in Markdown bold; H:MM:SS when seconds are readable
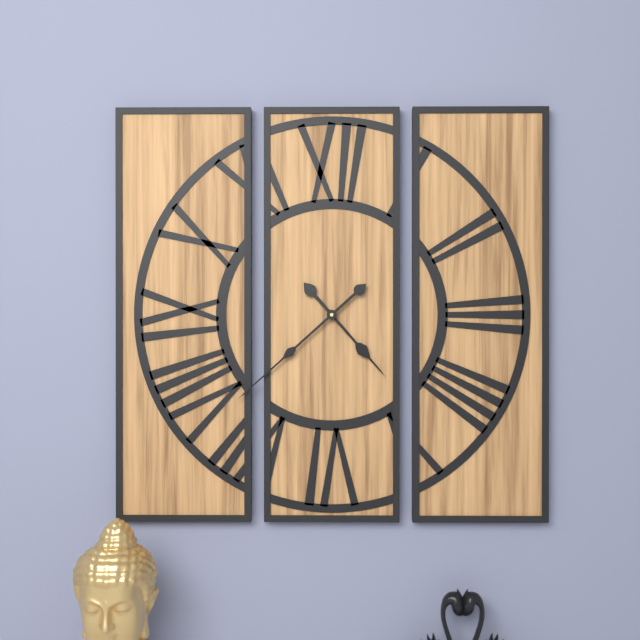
**4:38**
